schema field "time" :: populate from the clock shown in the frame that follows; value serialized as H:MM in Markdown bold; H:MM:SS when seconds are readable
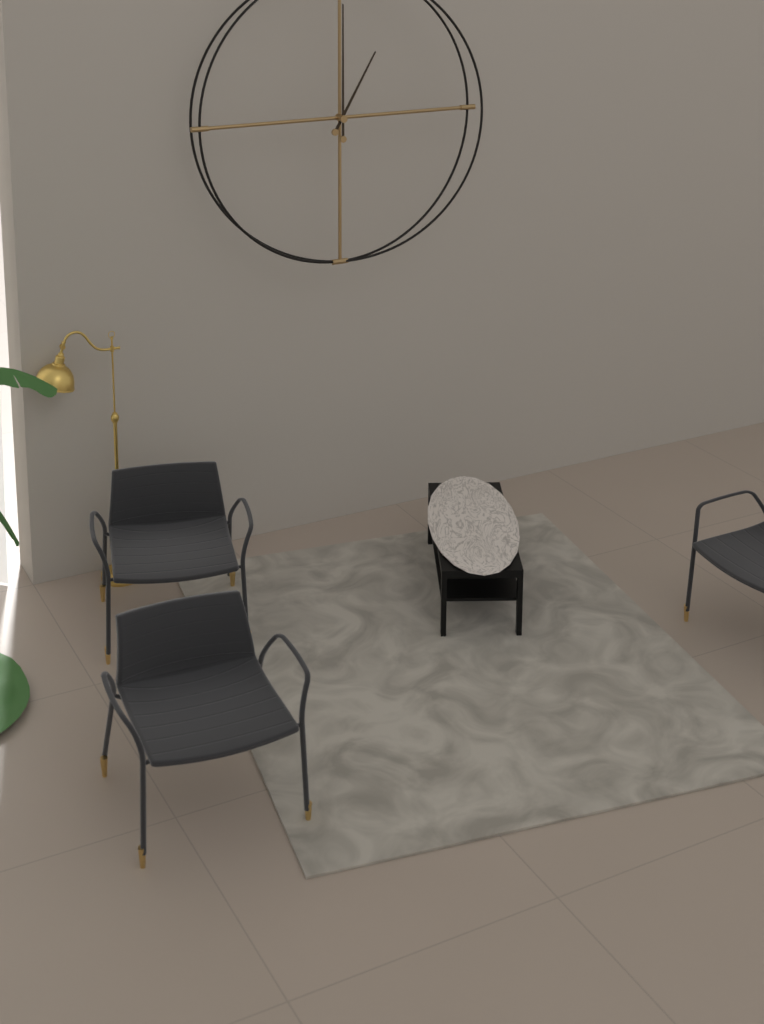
**1:00**
